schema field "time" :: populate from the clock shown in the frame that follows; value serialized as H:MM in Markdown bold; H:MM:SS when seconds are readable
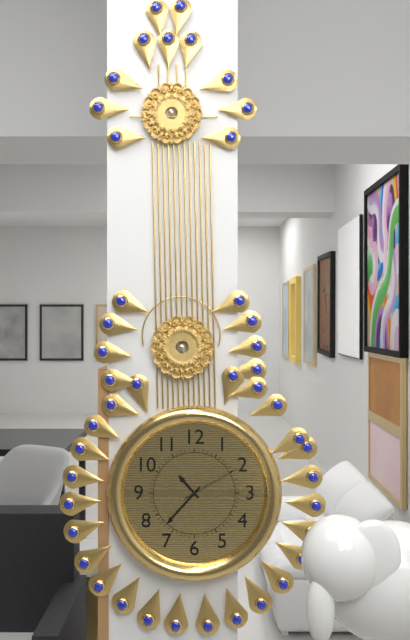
**10:37:10**
